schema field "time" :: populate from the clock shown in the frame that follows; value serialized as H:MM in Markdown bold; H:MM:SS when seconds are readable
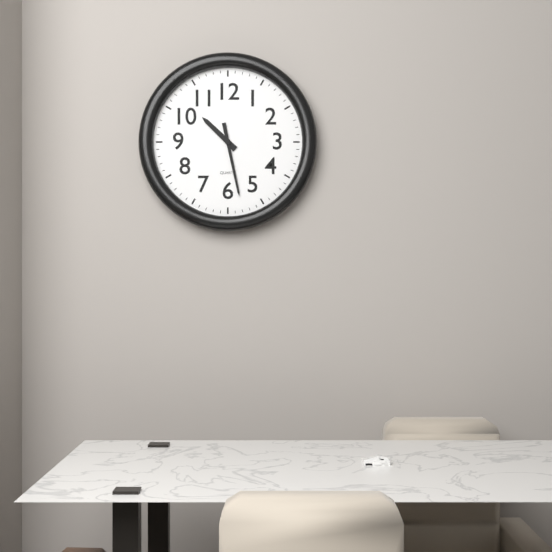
**10:28**
